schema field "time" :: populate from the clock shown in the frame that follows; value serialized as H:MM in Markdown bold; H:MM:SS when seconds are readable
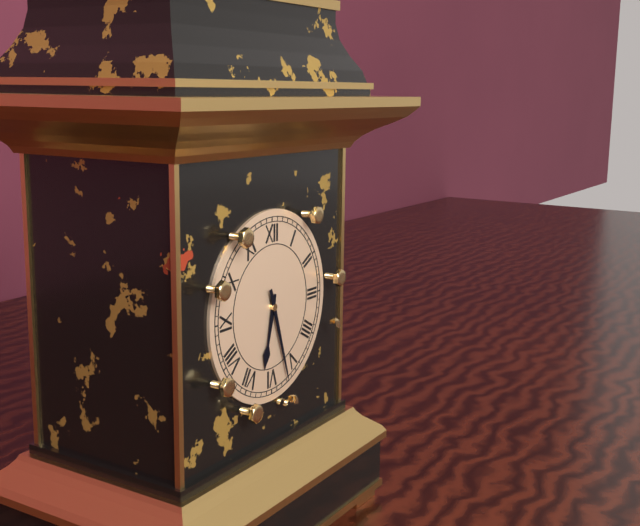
**6:27**
